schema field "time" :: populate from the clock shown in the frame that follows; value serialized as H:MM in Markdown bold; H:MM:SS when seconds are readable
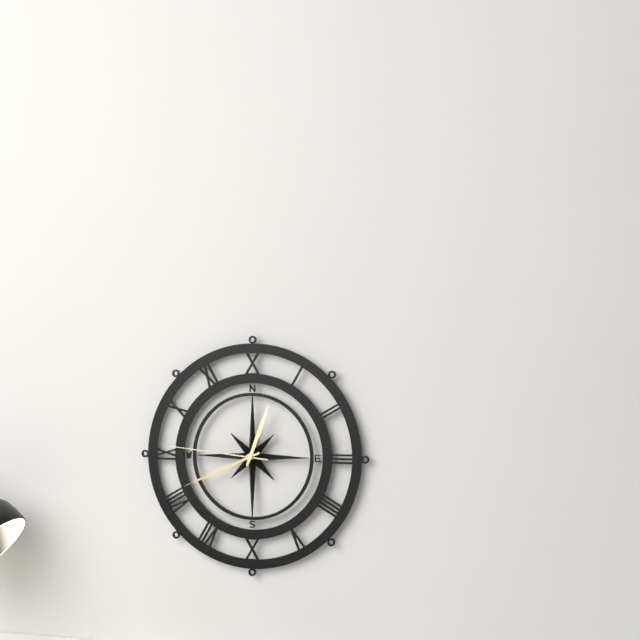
**12:41:46**
